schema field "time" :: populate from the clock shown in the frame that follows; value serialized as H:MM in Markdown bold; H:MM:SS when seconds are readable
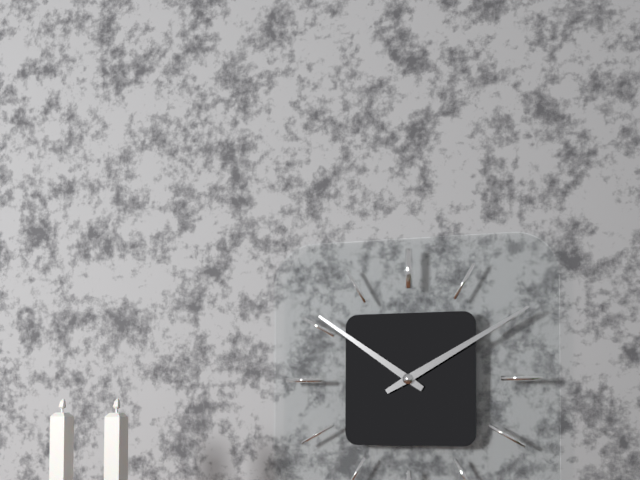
**10:10**
